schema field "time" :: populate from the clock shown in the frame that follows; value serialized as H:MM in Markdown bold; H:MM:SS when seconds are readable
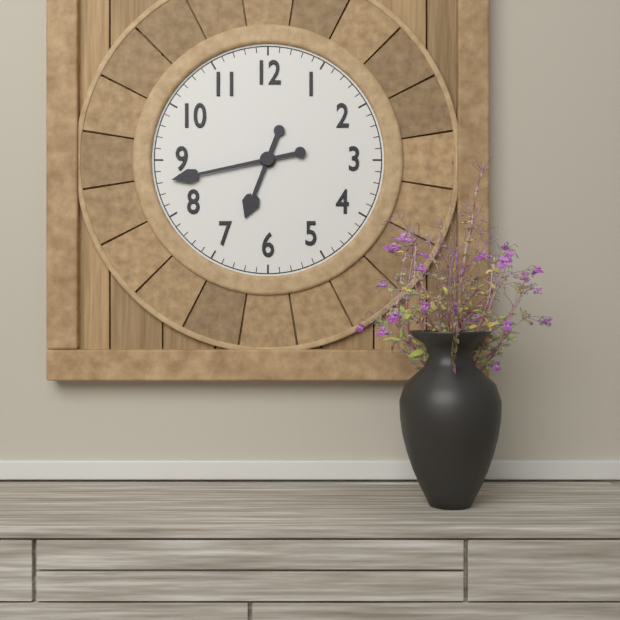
**6:43**
